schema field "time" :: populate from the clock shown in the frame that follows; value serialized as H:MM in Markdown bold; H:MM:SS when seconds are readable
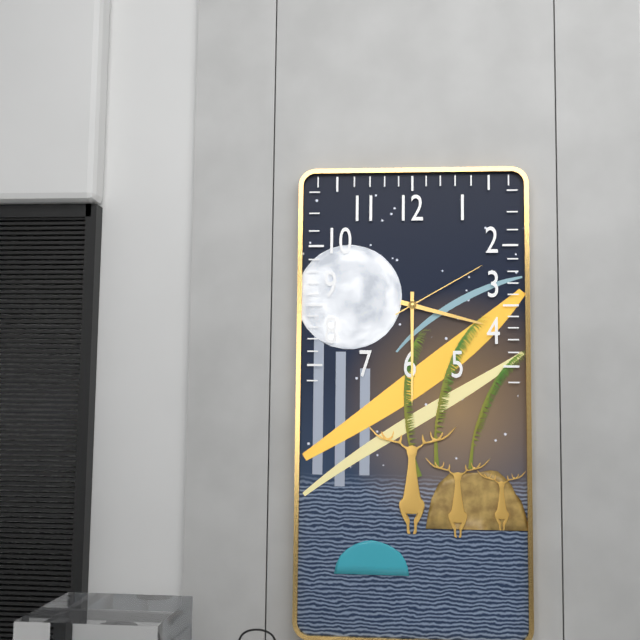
**3:30:10**
